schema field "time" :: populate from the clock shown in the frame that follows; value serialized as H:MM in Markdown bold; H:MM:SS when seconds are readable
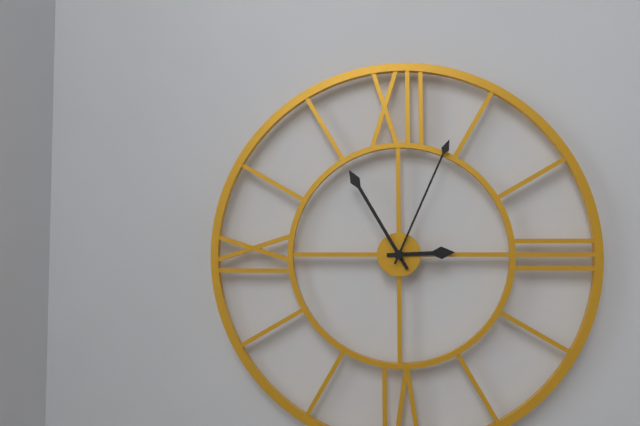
**2:55:04**
